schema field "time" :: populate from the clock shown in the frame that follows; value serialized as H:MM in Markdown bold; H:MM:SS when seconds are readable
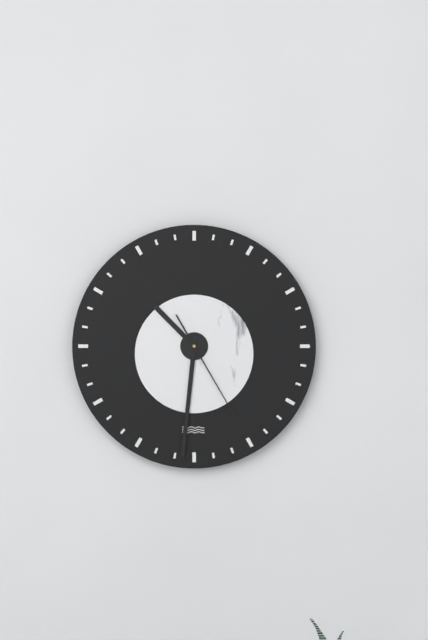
**10:31:25**
